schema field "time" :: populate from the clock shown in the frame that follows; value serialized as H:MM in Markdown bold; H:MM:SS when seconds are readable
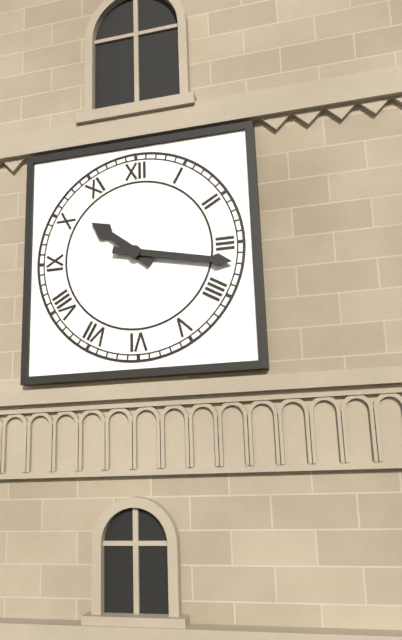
**10:17**
